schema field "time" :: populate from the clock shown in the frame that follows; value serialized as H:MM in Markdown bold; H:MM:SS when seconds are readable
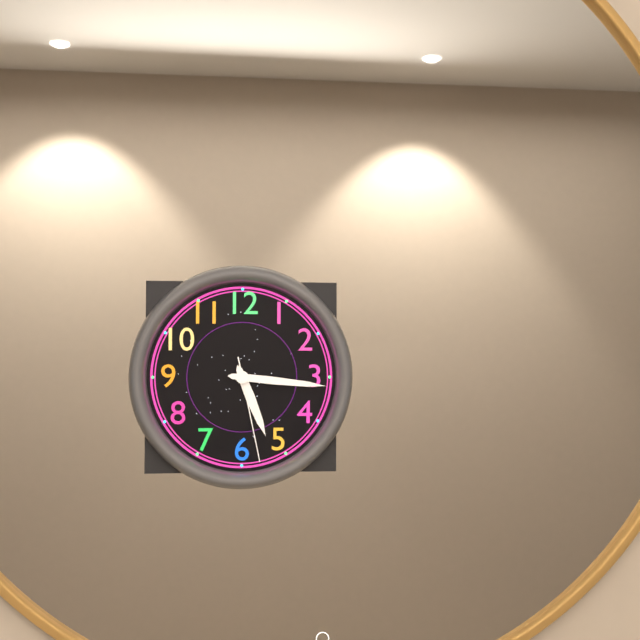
**5:16:28**
